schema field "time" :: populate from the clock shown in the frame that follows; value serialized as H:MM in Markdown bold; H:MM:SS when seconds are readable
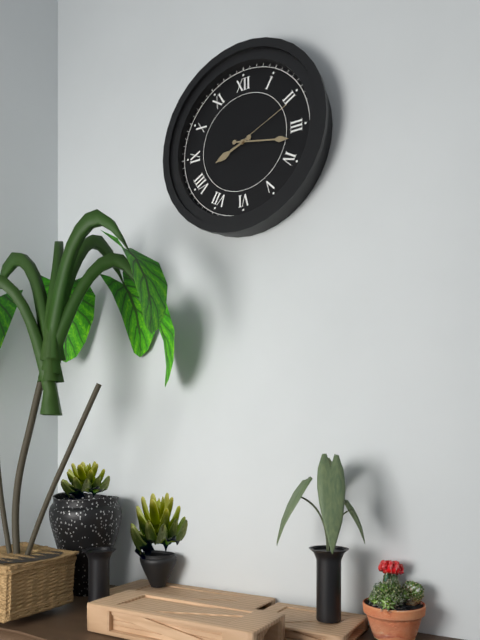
**8:17:11**
